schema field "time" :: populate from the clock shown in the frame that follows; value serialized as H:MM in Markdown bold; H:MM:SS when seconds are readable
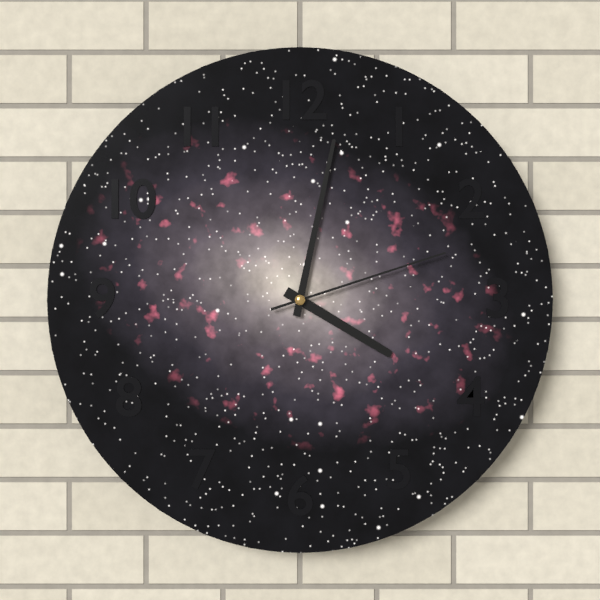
**4:02:12**
